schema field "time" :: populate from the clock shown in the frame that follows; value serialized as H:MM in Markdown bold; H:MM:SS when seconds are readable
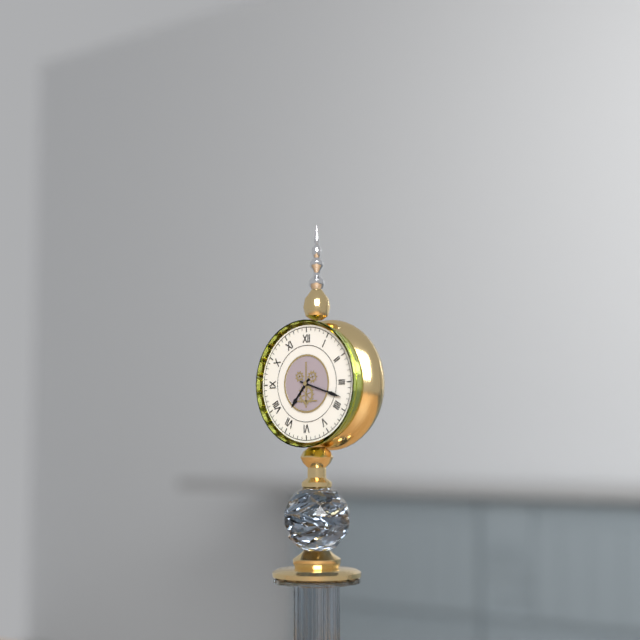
**7:18**
